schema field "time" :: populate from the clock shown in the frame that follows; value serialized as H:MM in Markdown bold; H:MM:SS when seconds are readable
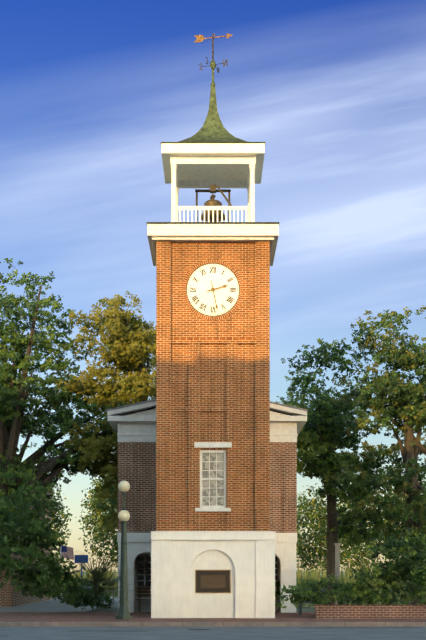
**2:28**
